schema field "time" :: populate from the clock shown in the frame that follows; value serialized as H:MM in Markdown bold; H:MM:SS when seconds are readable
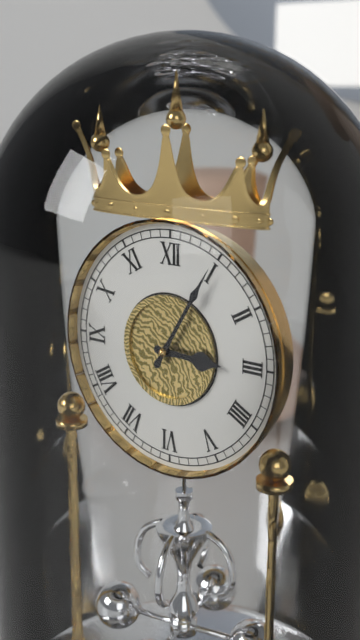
**3:05**
